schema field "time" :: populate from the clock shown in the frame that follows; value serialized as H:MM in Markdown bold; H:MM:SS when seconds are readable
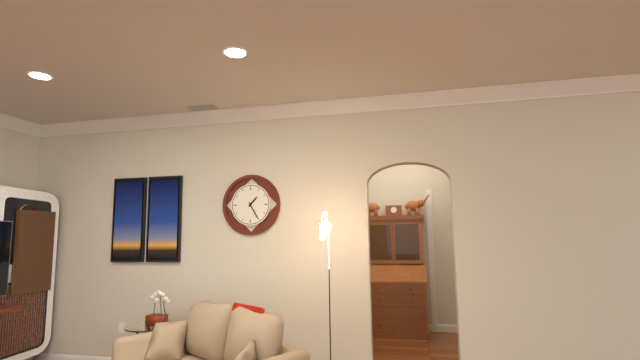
**1:25**
